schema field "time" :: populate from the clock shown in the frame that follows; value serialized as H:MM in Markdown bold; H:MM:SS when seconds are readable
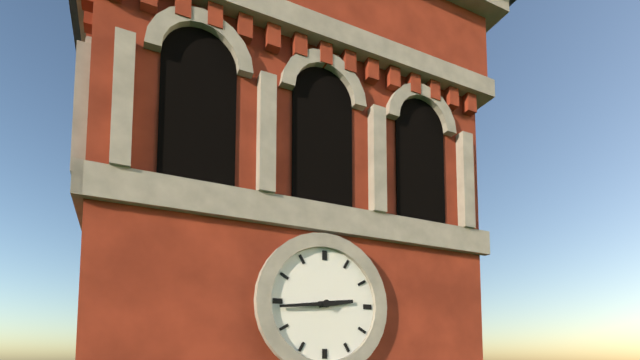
**2:44**
